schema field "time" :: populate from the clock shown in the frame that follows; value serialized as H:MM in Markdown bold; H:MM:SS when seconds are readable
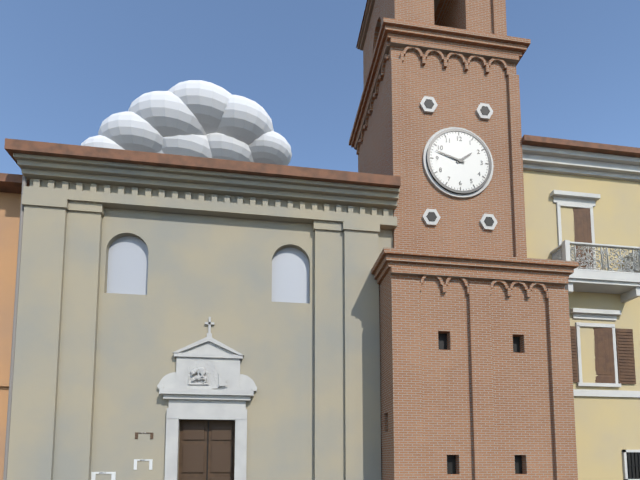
**1:48**
